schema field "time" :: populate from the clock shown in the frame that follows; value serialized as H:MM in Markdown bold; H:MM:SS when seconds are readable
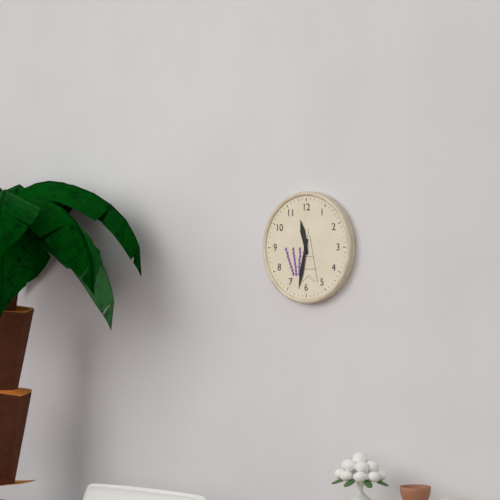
**11:32**
